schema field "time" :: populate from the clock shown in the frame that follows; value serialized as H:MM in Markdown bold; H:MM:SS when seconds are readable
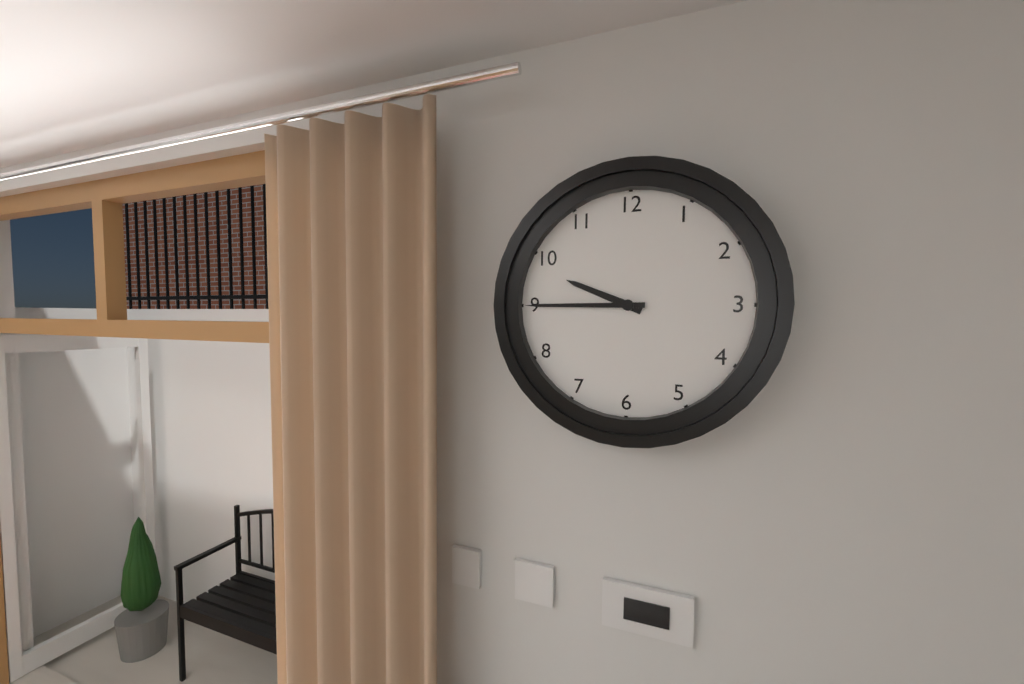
**9:45**
